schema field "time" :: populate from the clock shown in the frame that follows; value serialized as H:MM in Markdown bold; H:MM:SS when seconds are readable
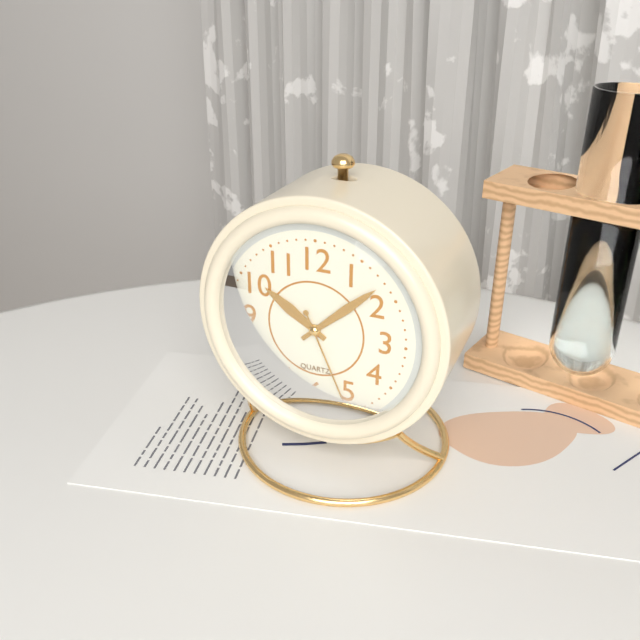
**10:08:26**
